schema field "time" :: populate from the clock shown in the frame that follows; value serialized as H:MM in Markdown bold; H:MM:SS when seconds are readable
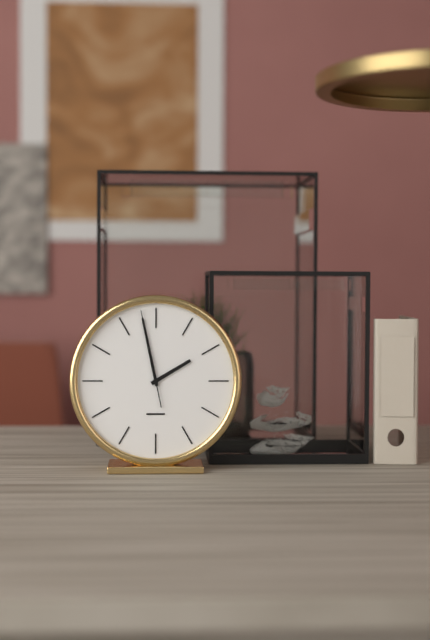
**1:58:58**
